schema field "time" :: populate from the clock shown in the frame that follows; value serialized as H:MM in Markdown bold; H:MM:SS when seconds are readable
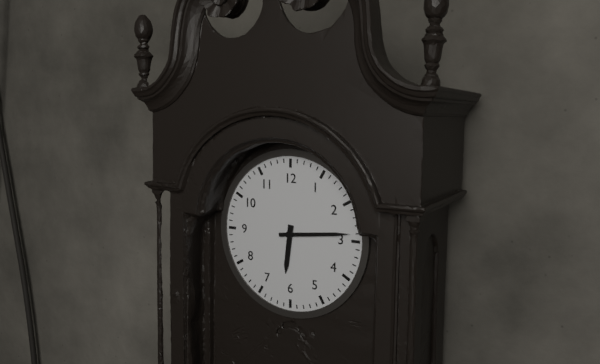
**6:14**
